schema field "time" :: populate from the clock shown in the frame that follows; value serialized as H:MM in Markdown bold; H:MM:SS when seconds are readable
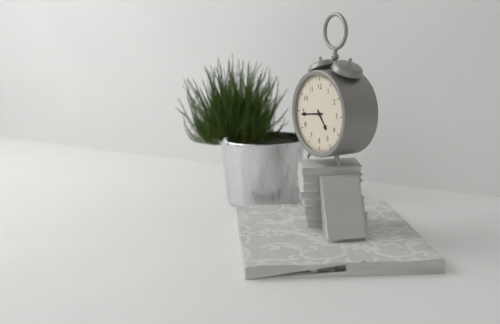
**4:44**
